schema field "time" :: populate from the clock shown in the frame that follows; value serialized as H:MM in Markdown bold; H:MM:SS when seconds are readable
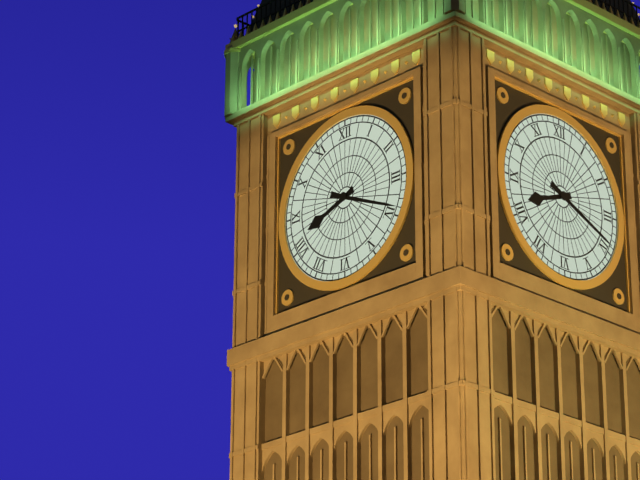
**8:19**
